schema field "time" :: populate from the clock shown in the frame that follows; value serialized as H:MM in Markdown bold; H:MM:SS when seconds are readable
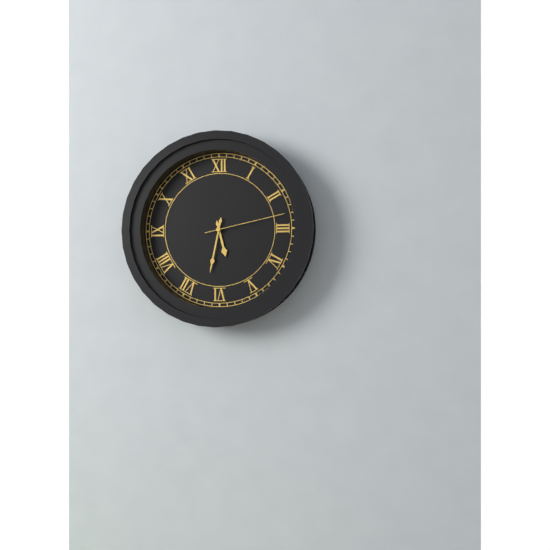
**5:32:13**
